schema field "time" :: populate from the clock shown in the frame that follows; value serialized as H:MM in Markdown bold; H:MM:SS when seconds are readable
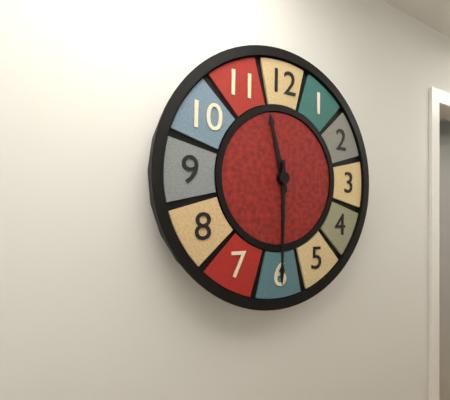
**11:30**
